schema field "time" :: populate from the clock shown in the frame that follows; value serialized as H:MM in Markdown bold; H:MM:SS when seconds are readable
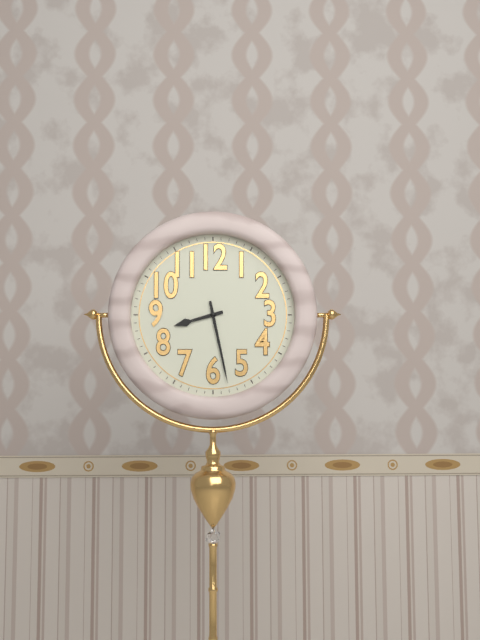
**8:28**
